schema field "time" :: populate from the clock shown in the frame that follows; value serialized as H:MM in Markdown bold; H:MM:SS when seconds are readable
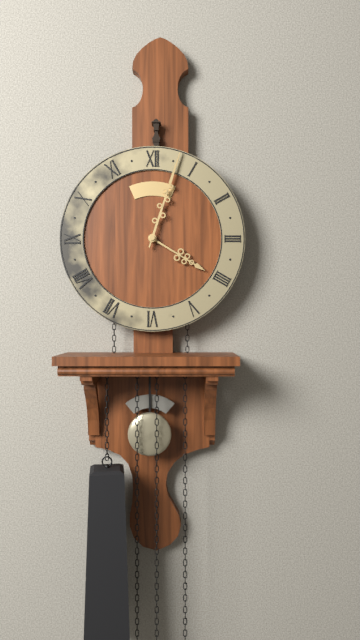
**4:03**
